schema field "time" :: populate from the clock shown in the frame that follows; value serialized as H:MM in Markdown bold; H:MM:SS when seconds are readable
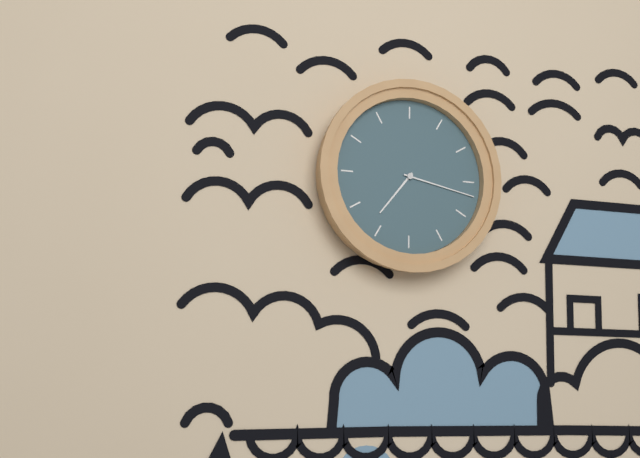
**7:17**
